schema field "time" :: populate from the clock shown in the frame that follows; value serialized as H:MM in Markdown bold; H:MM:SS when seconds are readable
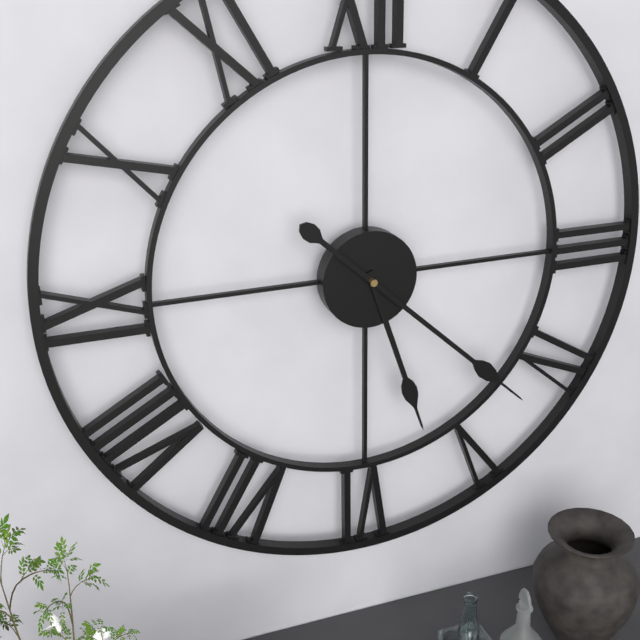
**5:22**
